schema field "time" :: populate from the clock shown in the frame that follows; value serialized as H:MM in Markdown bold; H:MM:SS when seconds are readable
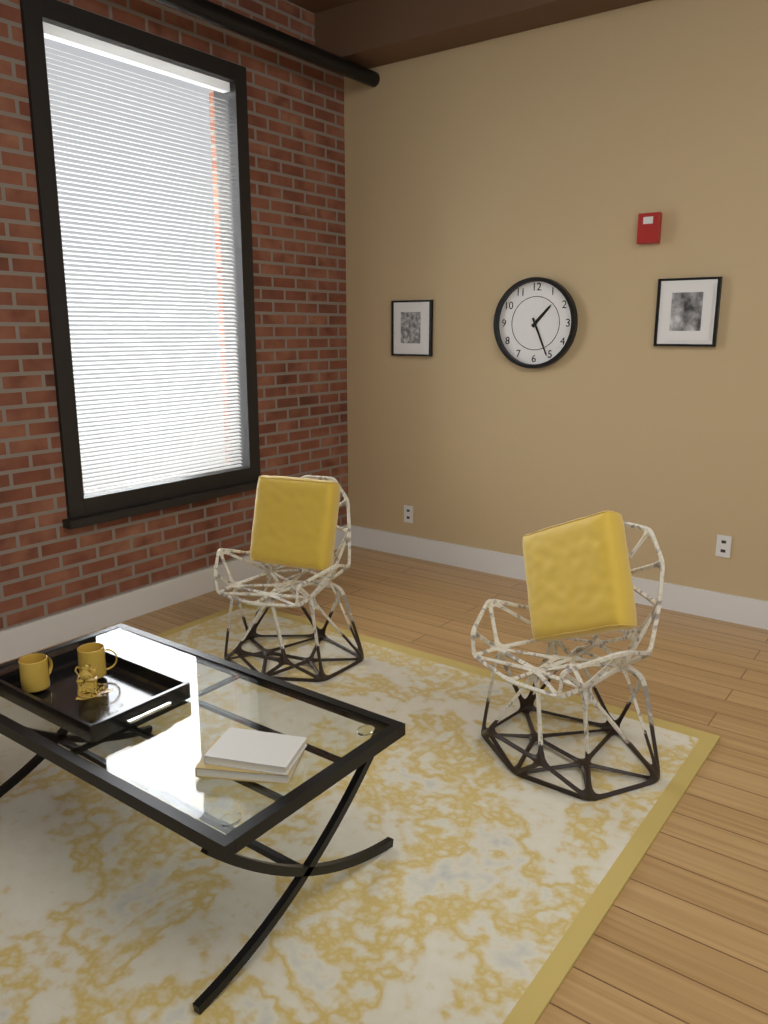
**1:26**
